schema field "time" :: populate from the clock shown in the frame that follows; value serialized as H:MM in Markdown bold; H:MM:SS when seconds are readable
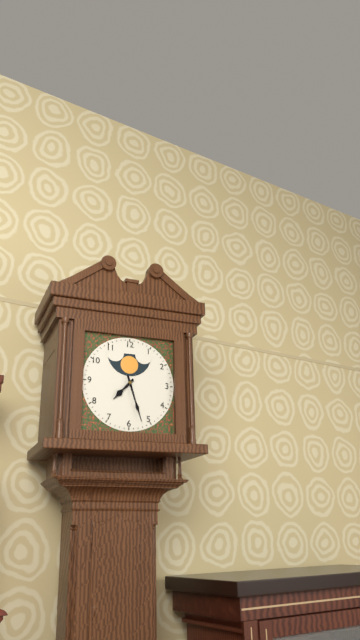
**7:27**
